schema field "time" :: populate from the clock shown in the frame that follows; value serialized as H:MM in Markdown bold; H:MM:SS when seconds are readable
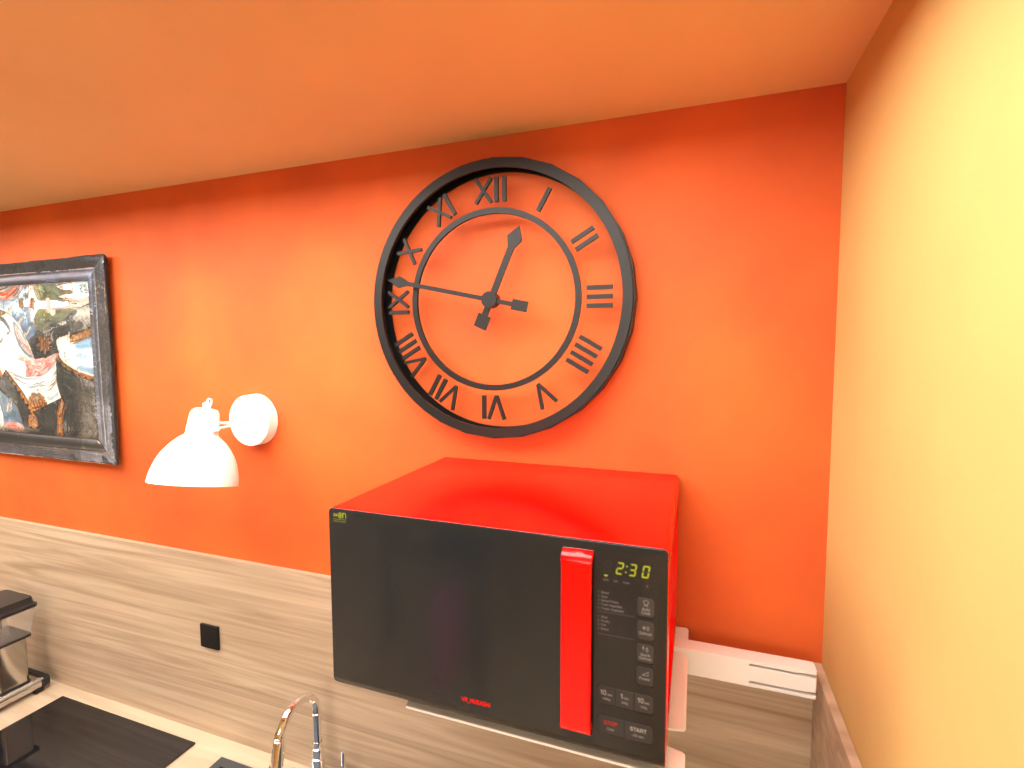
**12:47**
